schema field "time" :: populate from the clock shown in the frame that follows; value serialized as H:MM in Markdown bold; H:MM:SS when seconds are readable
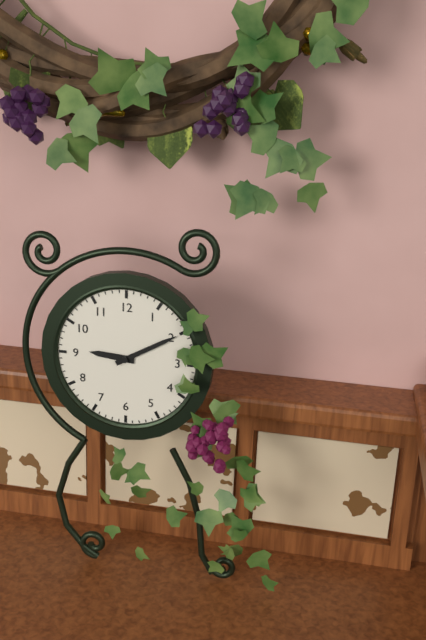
**9:10**
